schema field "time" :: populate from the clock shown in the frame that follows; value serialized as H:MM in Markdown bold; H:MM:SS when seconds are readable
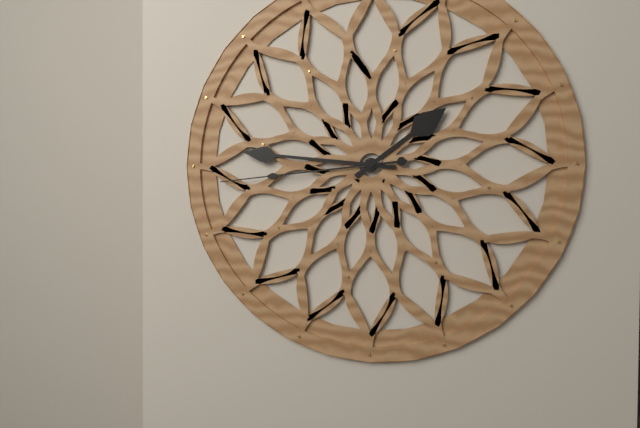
**1:46:44**
